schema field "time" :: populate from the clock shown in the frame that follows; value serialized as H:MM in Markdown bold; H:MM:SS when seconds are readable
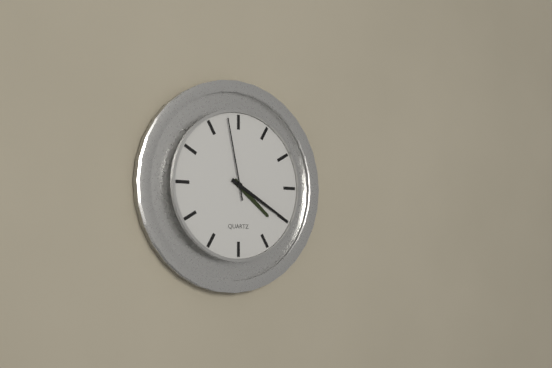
**4:20:58**
